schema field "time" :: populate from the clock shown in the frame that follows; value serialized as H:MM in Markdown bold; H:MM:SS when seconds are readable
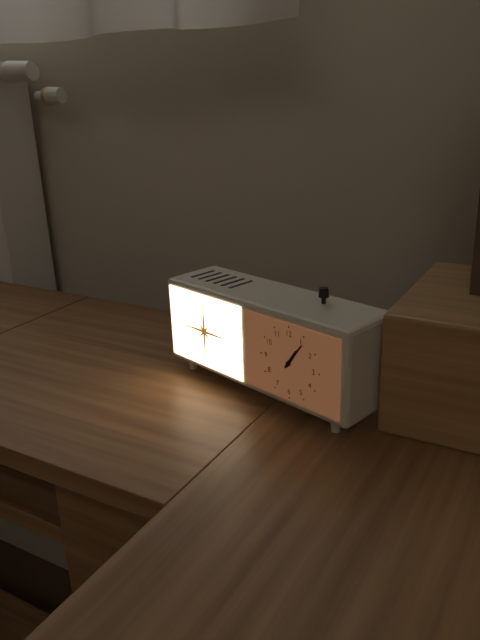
**1:06**
